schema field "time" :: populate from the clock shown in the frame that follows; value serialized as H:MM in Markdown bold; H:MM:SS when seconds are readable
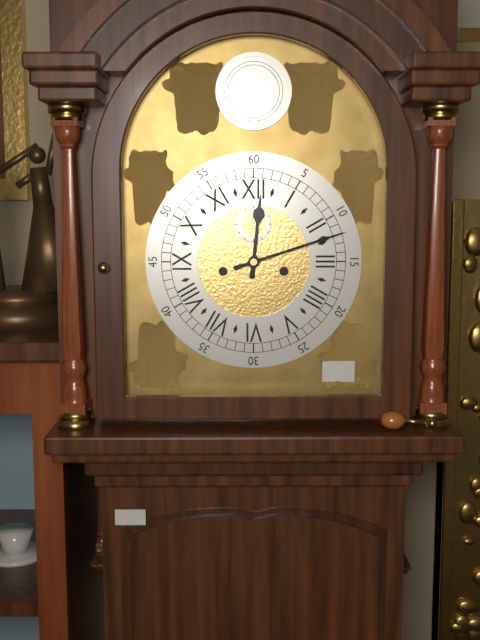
**12:12**
